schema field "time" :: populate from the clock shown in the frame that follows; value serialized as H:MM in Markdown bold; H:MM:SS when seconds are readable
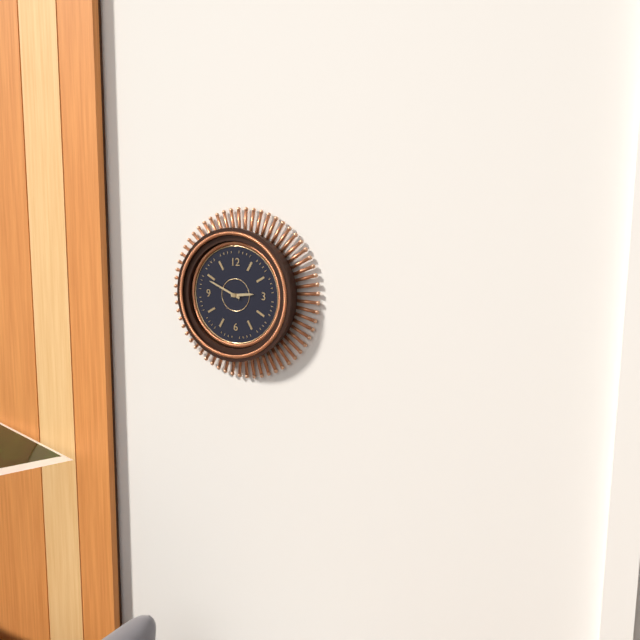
**2:49**
